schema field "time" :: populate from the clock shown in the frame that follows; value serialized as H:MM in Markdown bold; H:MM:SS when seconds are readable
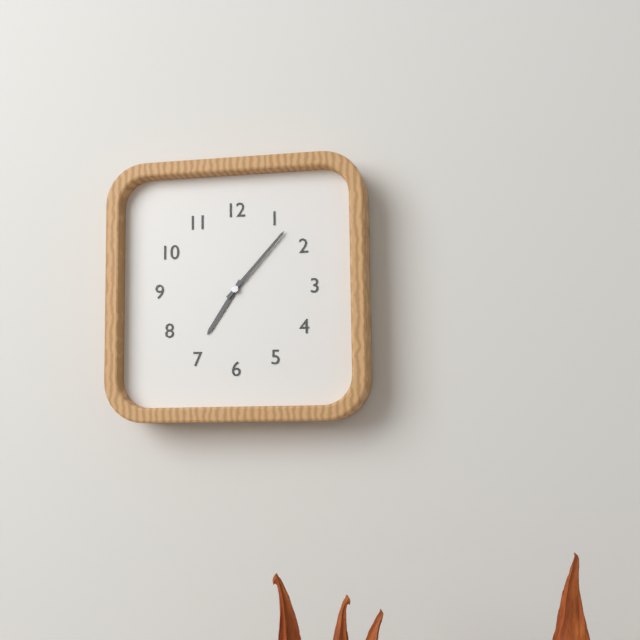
**7:07**
